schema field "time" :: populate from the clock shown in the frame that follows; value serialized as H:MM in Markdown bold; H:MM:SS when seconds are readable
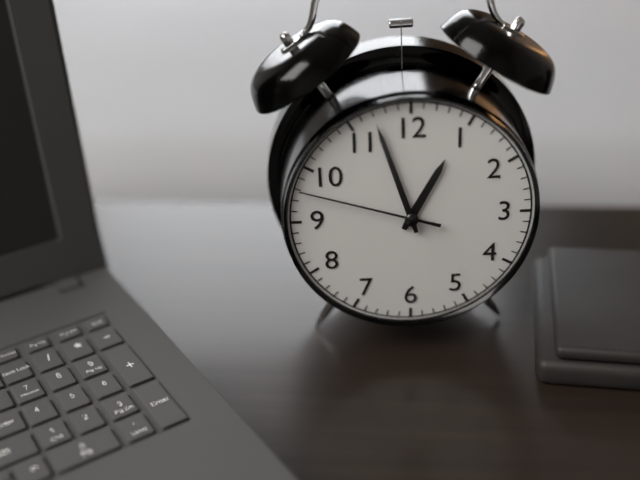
**12:57:48**
